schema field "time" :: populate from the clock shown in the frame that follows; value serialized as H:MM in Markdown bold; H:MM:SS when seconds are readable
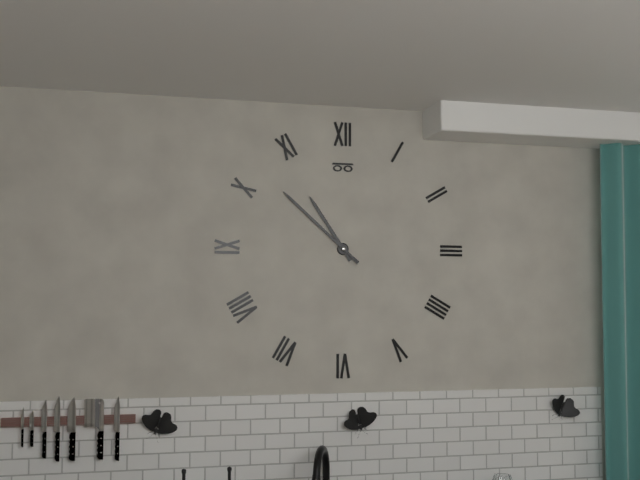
**10:52**
